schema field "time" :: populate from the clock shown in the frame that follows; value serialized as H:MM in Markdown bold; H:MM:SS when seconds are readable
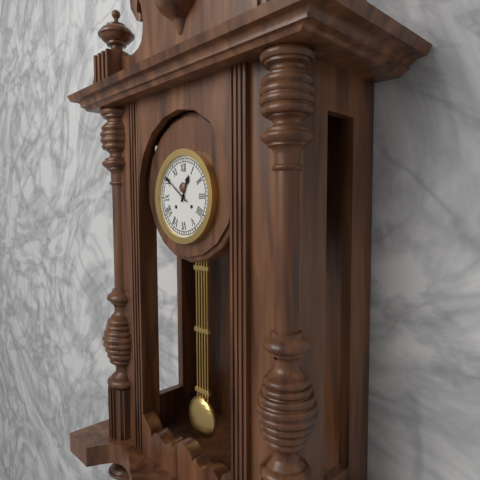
**12:51**
